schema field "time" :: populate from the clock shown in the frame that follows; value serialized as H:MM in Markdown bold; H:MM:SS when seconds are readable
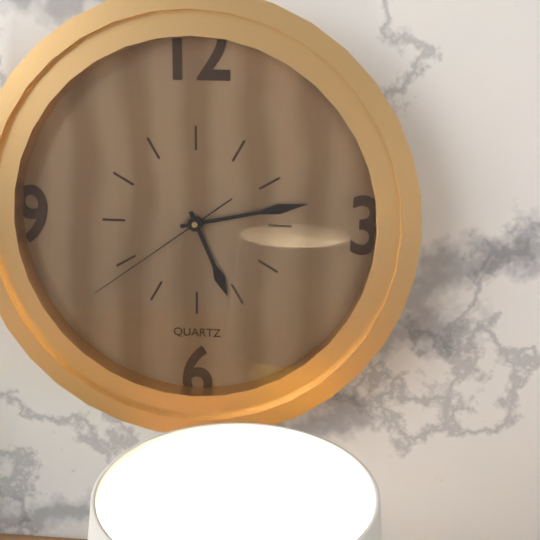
**5:13:39**
